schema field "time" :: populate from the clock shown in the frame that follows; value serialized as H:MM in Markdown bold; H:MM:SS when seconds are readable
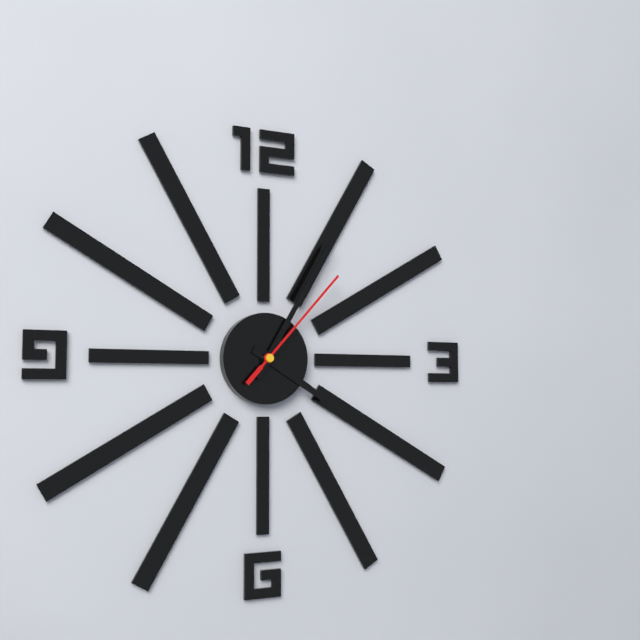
**4:05:07**
